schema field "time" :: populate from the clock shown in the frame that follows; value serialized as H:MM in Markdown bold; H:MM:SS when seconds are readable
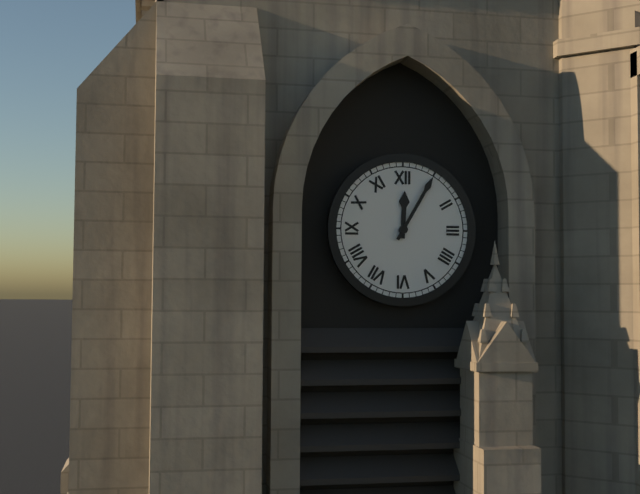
**12:05**
